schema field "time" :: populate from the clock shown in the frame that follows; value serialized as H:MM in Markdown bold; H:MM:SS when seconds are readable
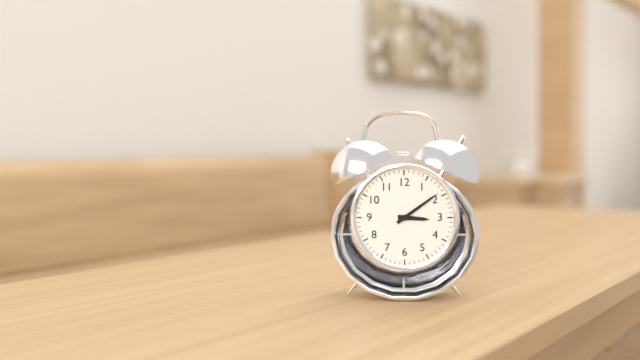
**3:09**
